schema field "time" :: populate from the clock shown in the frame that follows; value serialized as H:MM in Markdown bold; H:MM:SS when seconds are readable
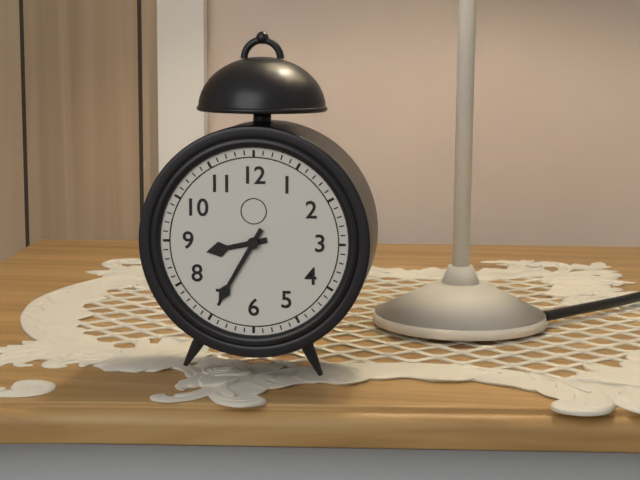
**8:35**
